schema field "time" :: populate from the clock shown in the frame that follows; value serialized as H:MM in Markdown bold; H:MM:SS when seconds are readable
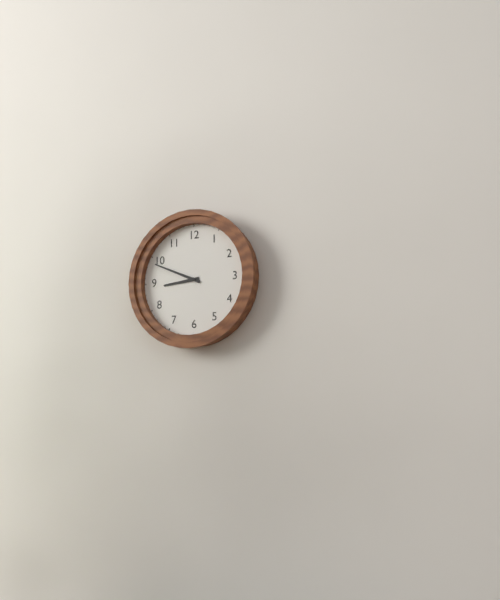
**8:49**
